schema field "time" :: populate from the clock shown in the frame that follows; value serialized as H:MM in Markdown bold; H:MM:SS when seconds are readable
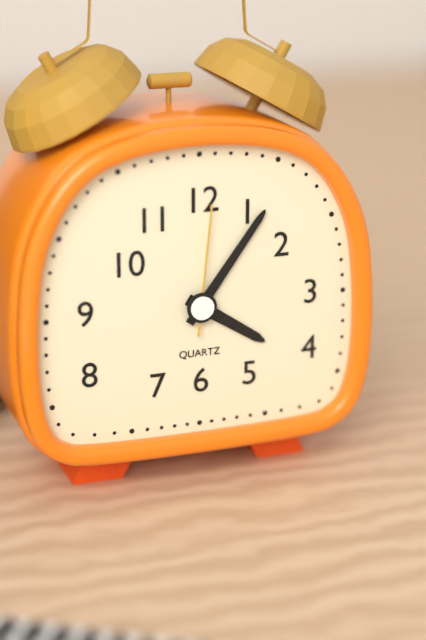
**4:06:01**
